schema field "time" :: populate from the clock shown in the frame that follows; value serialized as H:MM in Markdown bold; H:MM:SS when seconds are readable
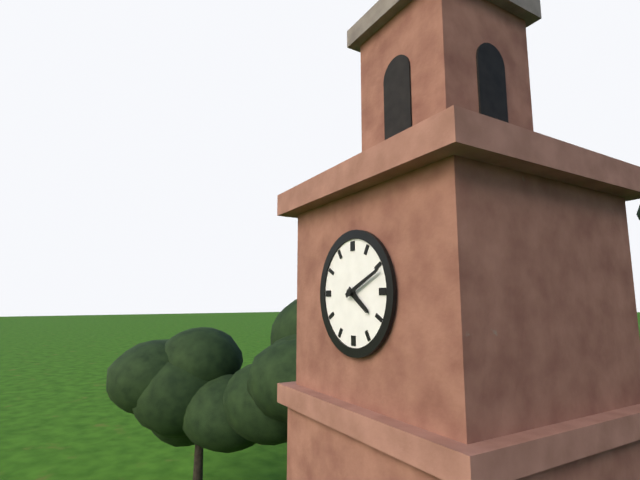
**4:11**
